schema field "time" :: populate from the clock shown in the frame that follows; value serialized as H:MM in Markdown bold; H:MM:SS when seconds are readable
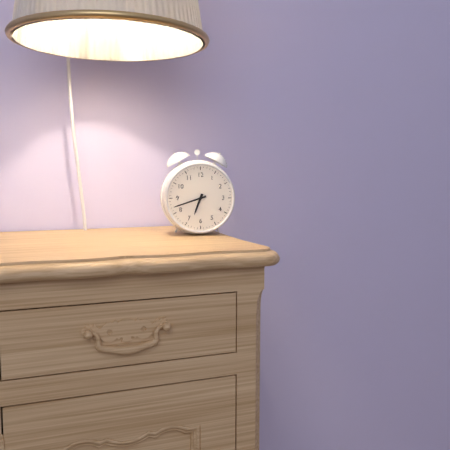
**6:42**
